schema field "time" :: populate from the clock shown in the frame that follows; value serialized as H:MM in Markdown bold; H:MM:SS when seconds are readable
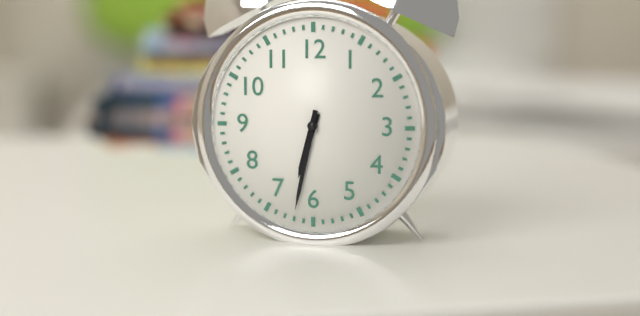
**6:32**
